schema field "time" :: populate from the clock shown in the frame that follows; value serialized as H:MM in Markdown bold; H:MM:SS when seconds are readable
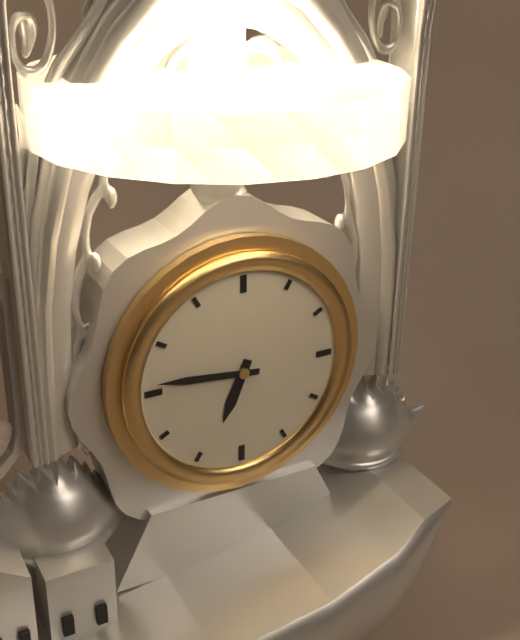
**6:46**
